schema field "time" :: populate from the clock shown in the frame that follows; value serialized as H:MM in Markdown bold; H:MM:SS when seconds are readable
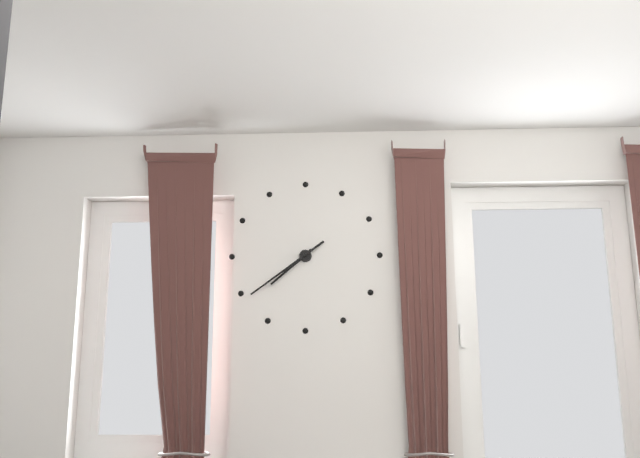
**7:39**
